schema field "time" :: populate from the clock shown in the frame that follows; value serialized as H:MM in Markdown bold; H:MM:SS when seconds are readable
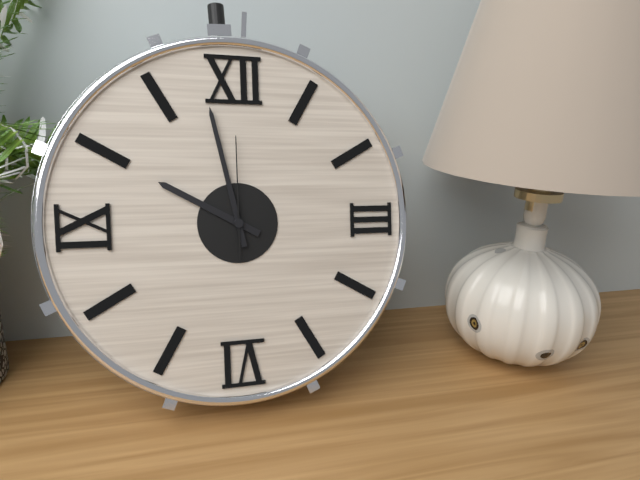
**9:58:00**
